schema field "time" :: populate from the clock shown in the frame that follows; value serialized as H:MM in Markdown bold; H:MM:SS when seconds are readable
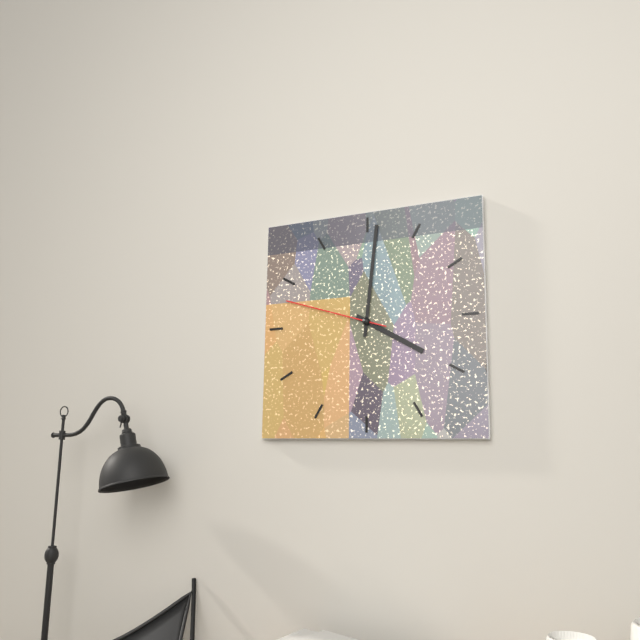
**4:01:48**
